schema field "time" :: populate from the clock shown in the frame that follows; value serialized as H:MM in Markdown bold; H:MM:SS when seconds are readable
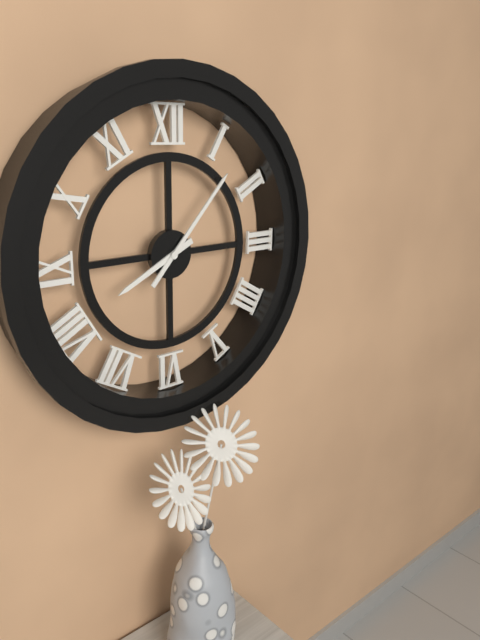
**8:07**
